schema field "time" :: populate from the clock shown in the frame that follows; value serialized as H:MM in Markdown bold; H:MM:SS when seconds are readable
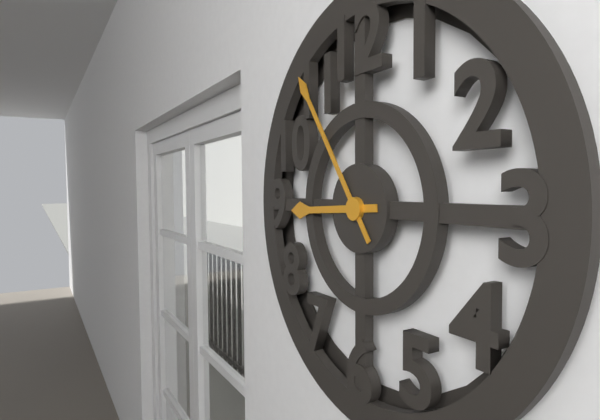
**8:54**
